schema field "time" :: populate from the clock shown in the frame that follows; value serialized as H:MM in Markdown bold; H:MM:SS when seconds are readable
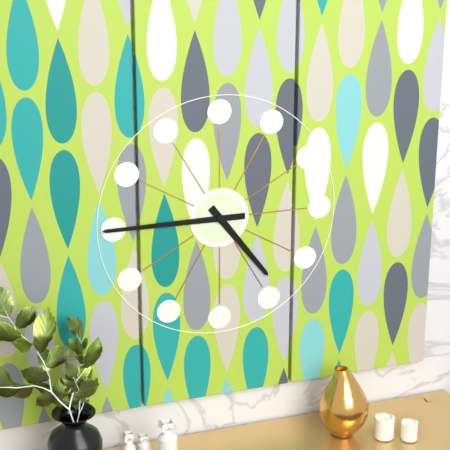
**4:45**
